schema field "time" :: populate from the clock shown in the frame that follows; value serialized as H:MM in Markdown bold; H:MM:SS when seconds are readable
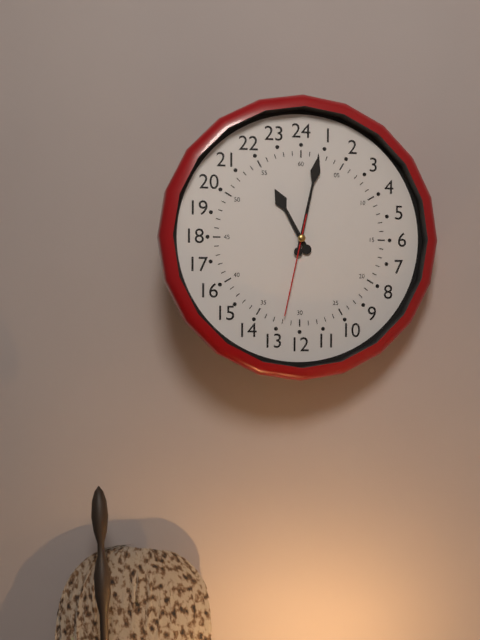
**11:02:32**
